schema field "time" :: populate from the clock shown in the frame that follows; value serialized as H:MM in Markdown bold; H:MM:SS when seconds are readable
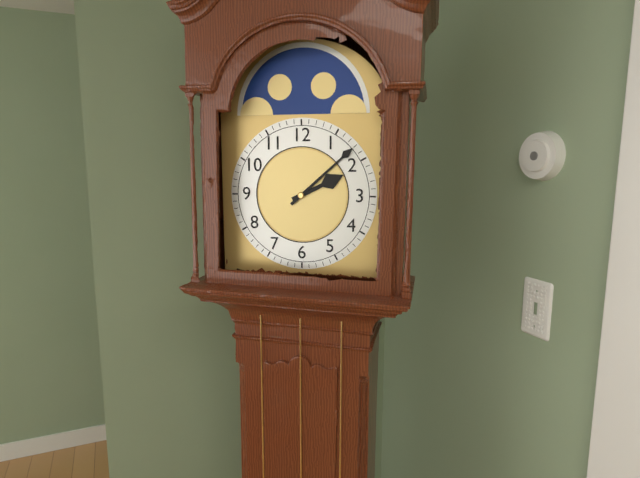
**2:08**
